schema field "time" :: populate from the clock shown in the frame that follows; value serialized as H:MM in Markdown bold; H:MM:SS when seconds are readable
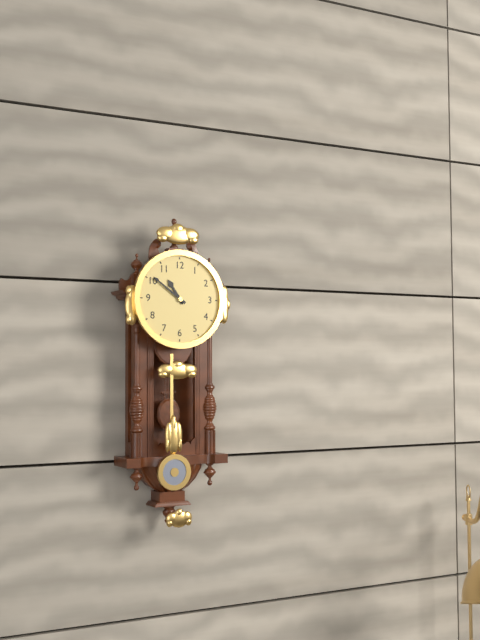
**10:51**
